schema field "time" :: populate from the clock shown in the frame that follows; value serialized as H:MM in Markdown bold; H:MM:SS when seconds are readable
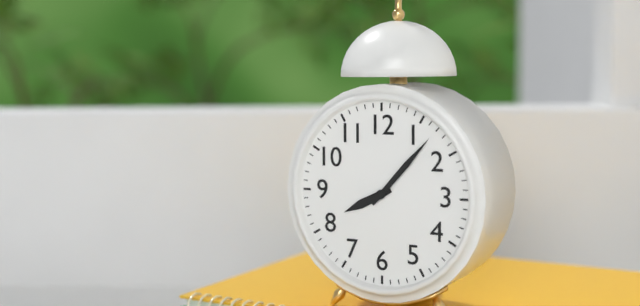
**8:07**
